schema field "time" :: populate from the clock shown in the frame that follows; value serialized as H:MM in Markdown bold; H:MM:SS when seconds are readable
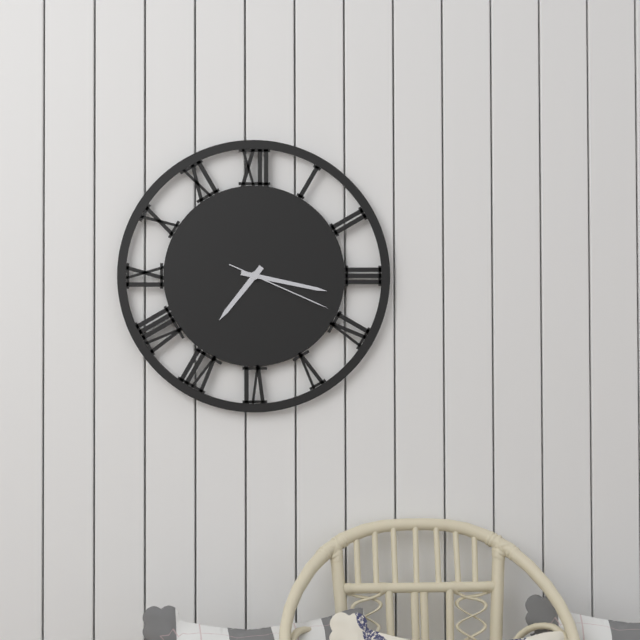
**7:17:19**
